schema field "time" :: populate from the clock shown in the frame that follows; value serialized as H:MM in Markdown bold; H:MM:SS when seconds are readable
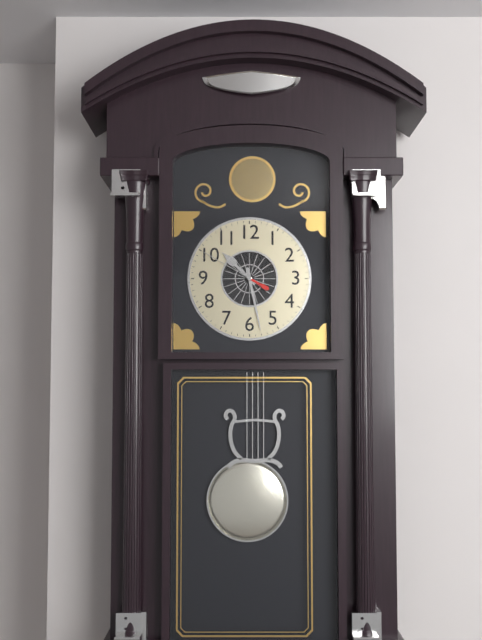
**10:28:50**
